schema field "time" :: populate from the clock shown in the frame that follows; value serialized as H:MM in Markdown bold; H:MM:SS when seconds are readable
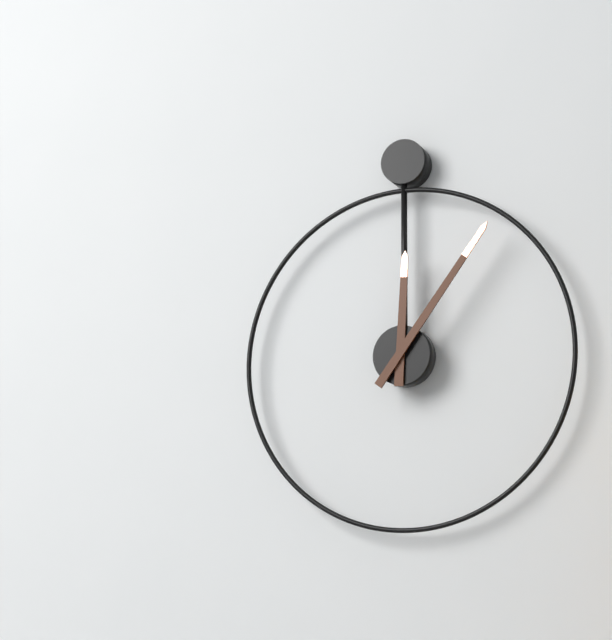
**12:06**
